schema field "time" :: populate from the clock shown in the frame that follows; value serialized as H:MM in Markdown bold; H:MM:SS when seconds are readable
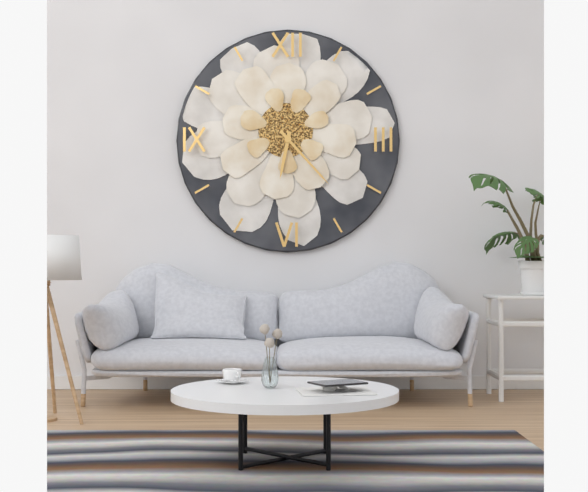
**6:23**
